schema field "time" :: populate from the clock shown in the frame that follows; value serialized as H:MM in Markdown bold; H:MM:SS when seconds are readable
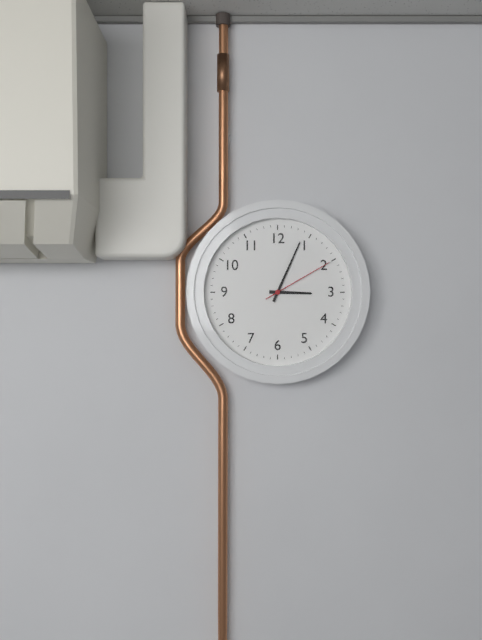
**3:04:10**
